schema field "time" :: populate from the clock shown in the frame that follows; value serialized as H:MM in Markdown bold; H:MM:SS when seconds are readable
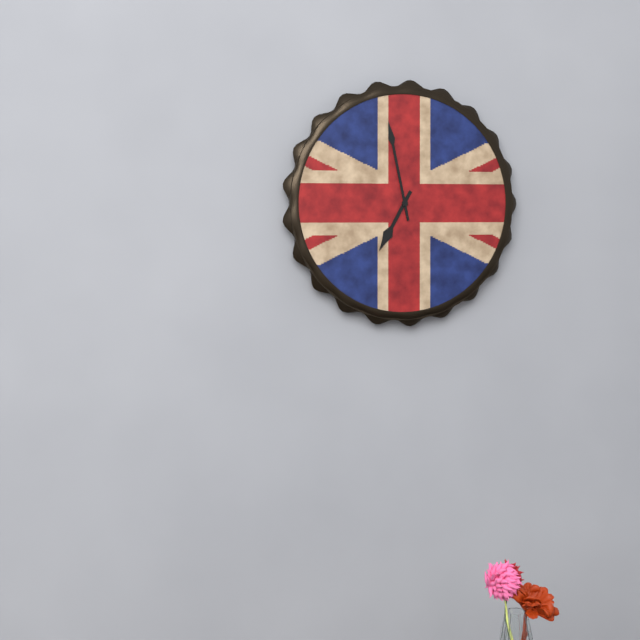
**6:58**
